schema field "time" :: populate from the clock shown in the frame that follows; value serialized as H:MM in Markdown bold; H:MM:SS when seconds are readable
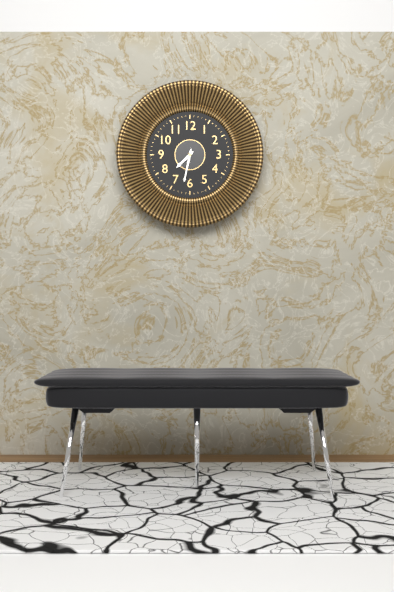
**7:32**
